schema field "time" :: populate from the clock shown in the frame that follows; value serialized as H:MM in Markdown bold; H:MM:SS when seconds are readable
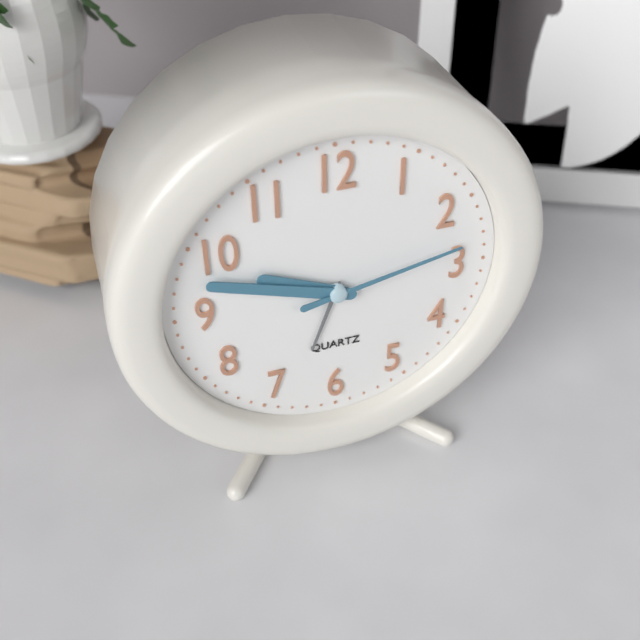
**9:48:13**
